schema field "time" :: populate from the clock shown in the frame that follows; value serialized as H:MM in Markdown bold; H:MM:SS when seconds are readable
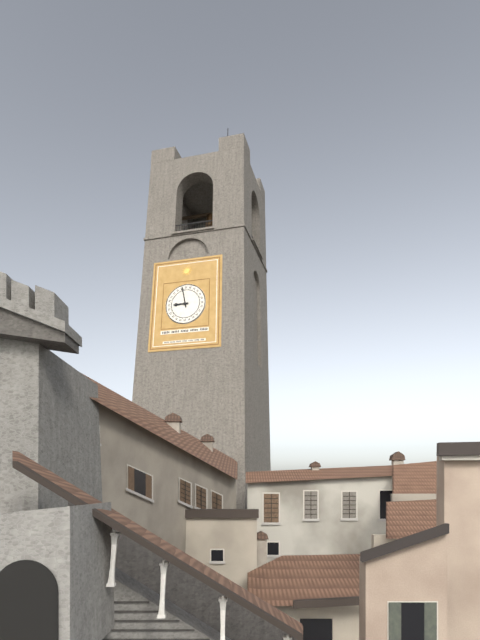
**8:58**
